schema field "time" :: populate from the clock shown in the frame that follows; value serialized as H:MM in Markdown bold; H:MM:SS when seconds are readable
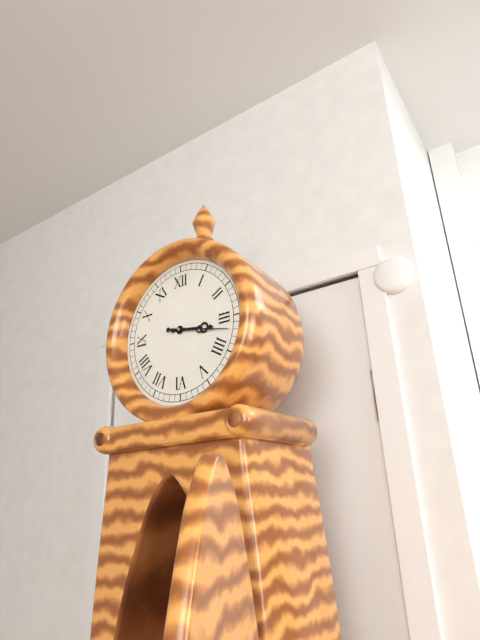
**3:17**
